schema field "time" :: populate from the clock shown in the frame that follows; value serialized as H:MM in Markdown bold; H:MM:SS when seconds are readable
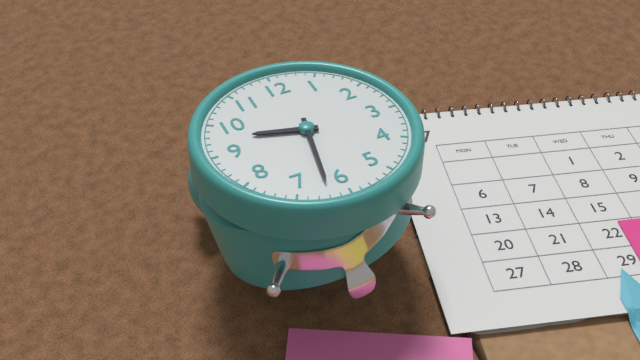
**9:32**
